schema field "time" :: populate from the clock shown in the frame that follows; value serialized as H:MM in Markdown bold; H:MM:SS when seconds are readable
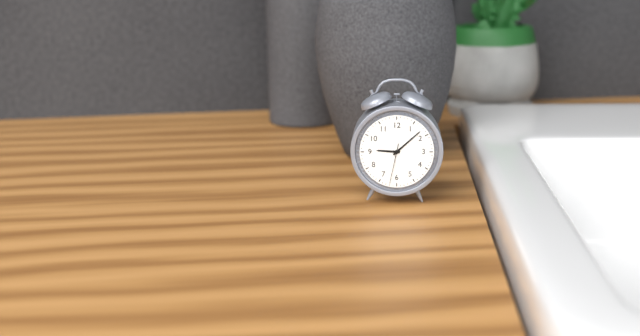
**9:08**
